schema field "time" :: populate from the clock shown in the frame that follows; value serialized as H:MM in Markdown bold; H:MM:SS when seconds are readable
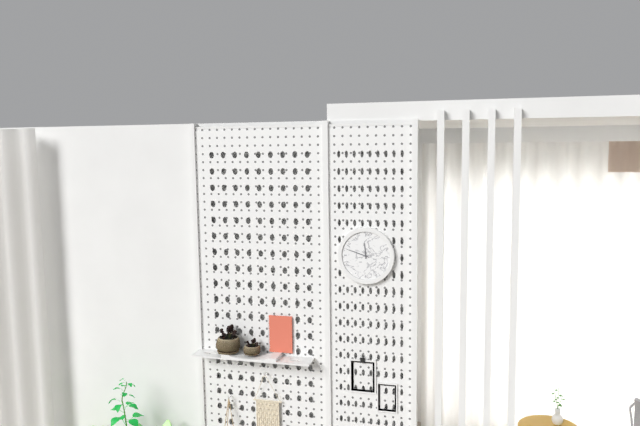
**11:48**
